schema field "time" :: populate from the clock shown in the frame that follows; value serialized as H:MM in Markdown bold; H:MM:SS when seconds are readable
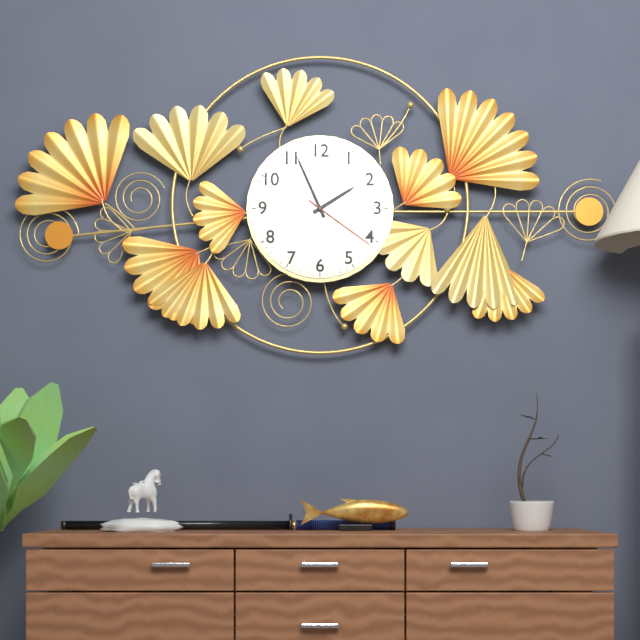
**1:56:21**
